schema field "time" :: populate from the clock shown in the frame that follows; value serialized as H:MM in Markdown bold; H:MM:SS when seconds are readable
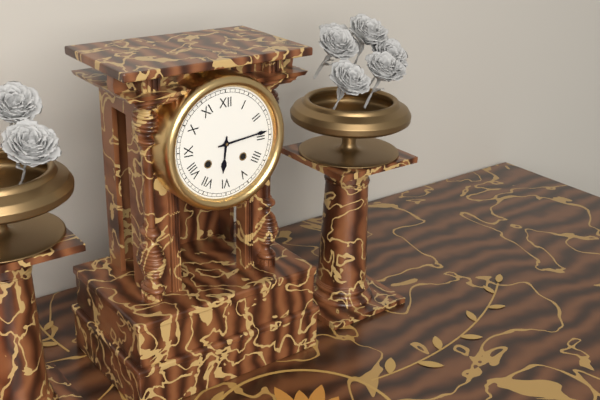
**6:14**
